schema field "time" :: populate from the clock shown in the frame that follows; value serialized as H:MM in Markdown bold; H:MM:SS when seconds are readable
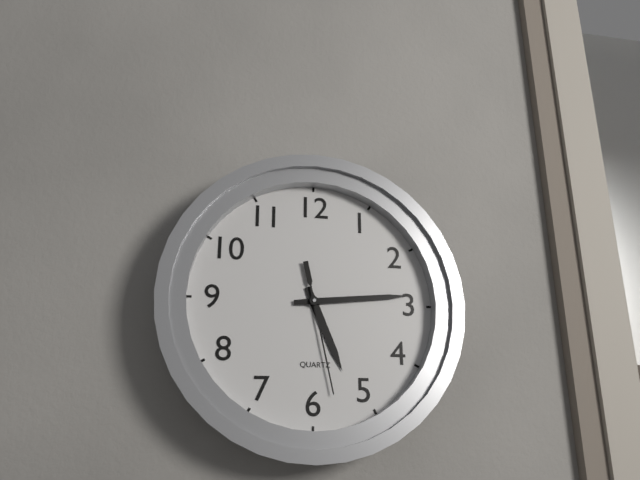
**5:14:28**
